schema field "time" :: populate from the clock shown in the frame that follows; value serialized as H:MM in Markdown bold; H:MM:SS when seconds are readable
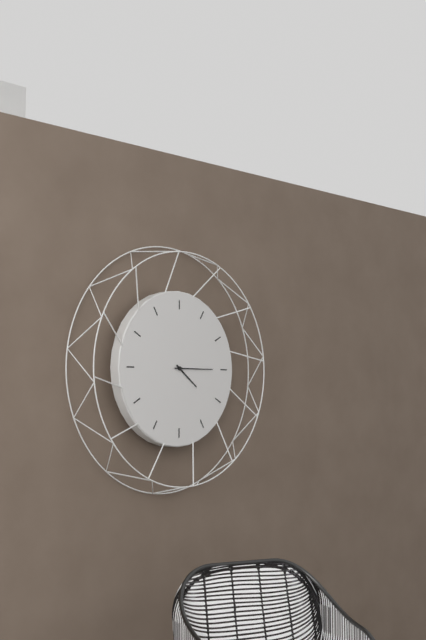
**4:15**
